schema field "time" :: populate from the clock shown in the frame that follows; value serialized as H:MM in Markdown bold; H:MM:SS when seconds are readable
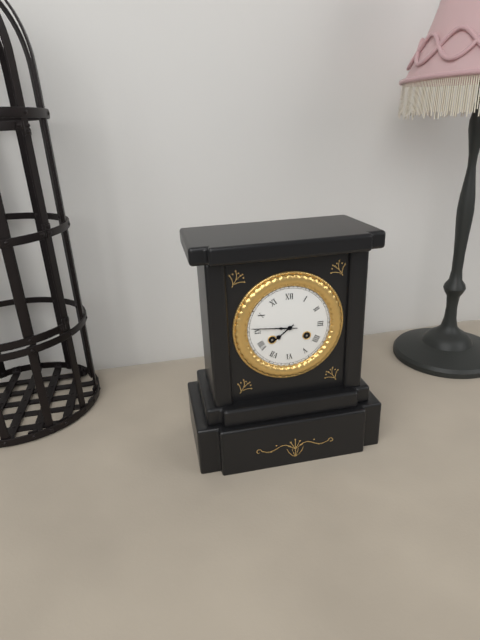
**7:46**
